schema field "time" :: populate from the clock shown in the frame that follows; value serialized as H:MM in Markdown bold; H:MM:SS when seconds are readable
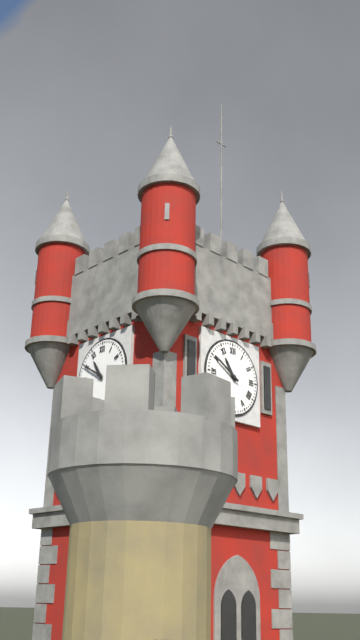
**10:50**
